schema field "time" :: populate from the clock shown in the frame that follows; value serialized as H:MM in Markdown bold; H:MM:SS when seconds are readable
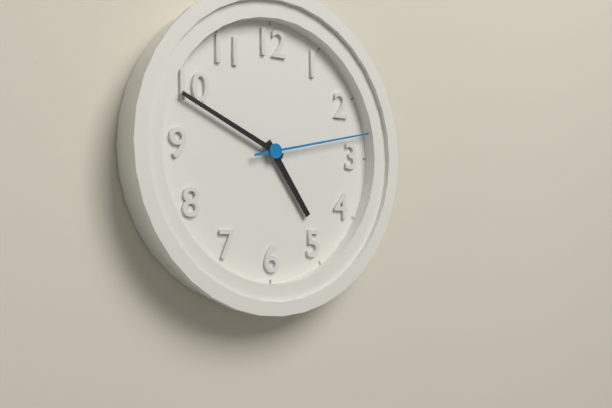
**4:49:13**
